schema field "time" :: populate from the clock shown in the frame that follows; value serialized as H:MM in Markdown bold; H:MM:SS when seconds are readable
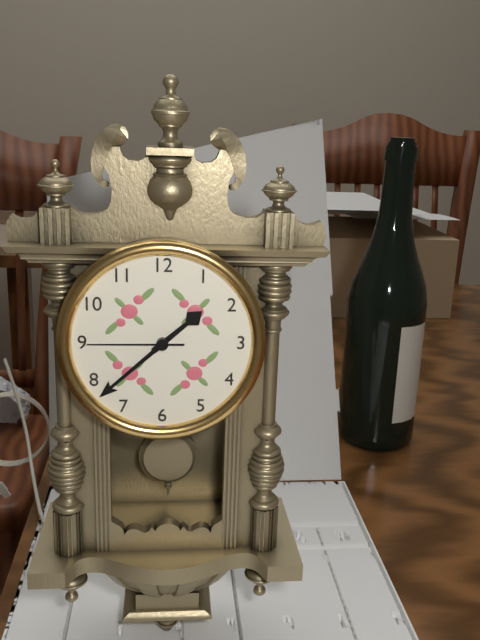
**1:38:45**
